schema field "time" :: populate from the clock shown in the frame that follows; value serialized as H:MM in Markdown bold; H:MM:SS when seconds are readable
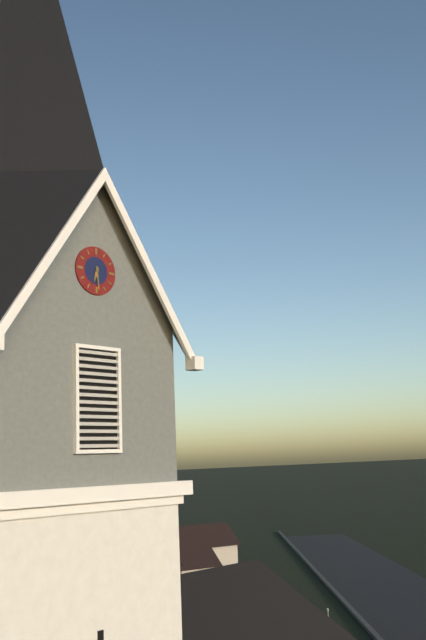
**6:29**
